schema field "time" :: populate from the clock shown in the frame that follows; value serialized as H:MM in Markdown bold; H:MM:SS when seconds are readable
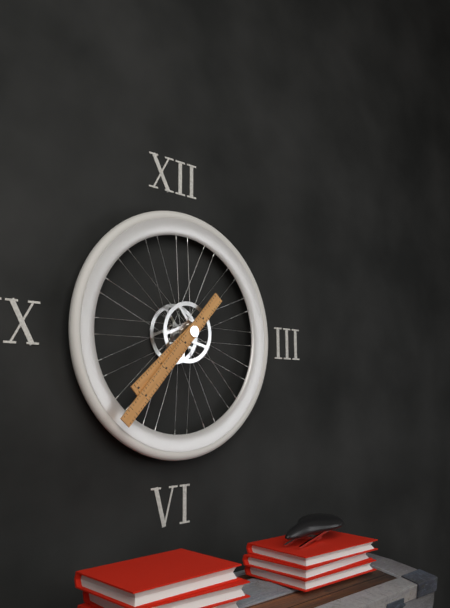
**7:37**
